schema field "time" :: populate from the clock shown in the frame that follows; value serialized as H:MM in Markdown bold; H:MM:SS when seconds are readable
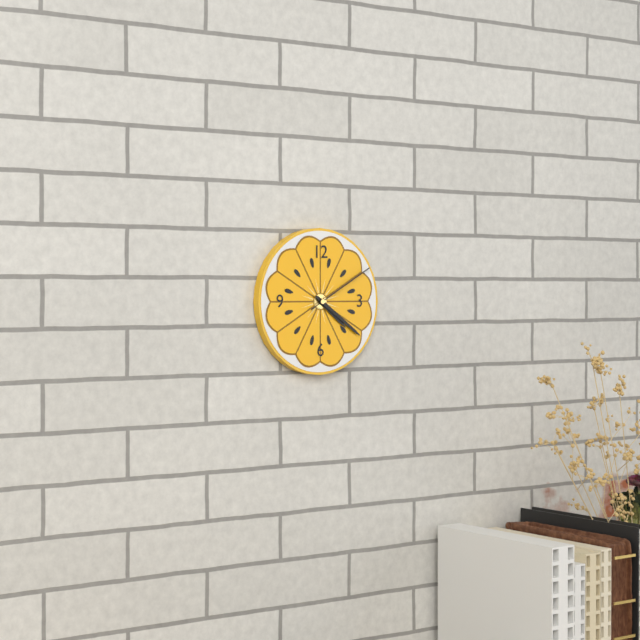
**4:21:10**
